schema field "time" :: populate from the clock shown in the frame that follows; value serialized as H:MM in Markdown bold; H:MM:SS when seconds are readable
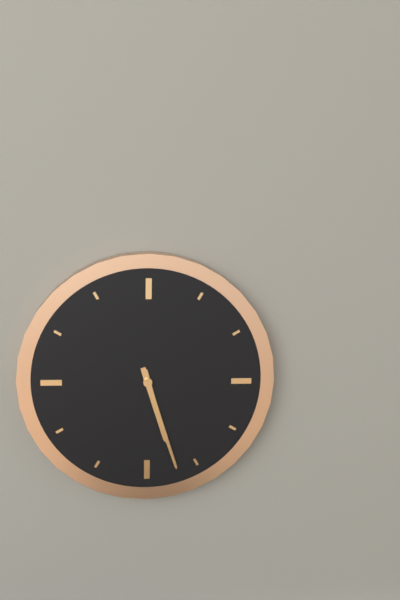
**5:27**
